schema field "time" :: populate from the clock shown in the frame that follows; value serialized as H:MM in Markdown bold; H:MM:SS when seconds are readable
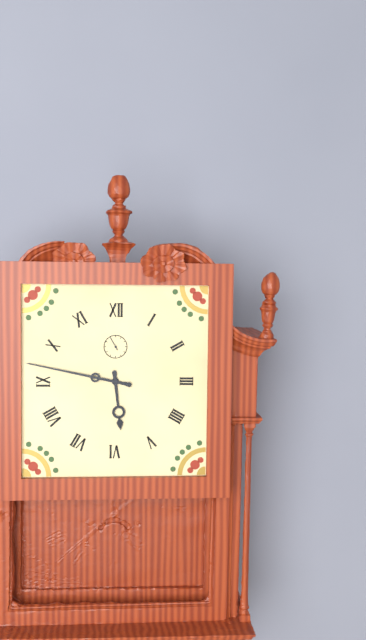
**5:47**
